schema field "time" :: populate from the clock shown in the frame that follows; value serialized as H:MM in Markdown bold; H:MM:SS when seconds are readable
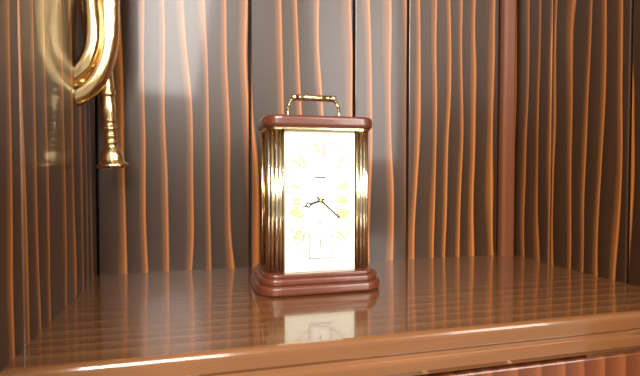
**8:22**
